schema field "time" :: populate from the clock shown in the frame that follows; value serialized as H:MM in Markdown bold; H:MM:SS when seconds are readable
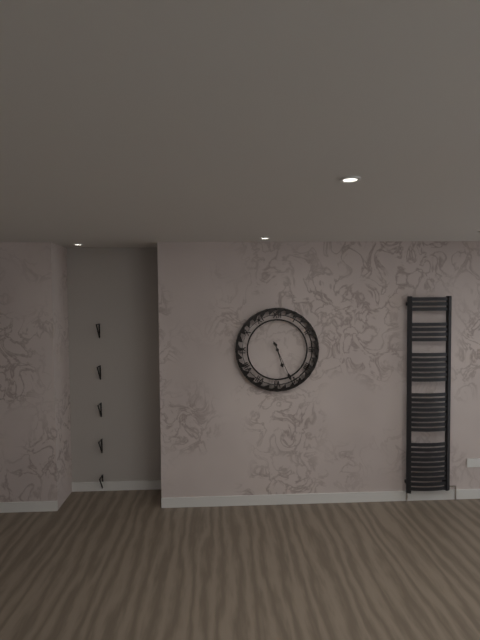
**5:26**
